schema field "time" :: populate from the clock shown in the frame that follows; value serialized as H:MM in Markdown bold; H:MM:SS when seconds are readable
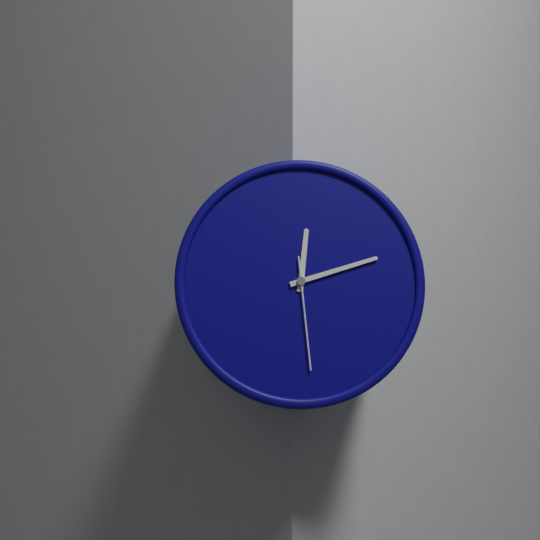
**12:12:29**
